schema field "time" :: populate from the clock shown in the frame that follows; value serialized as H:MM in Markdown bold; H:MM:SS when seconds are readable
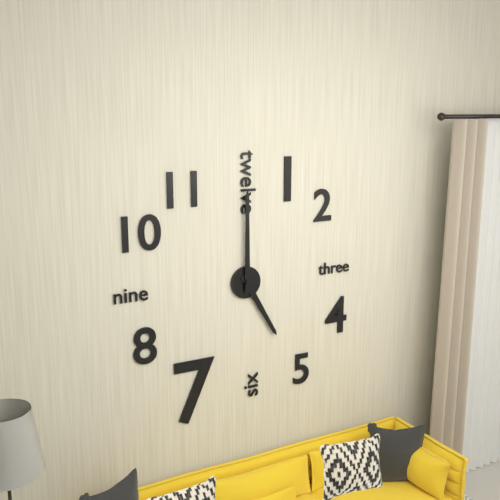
**5:00**
